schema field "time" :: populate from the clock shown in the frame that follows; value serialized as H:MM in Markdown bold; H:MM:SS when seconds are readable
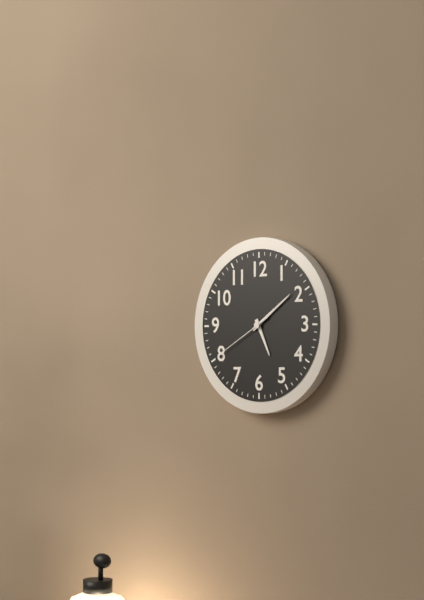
**5:09:40**
